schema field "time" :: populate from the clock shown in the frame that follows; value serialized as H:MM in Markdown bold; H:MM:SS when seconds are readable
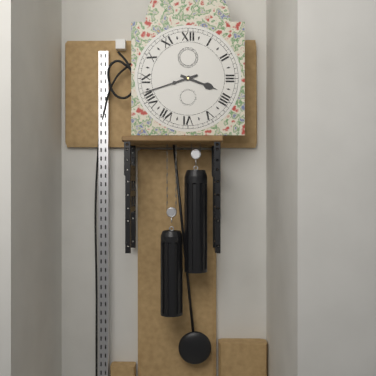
**3:42**
